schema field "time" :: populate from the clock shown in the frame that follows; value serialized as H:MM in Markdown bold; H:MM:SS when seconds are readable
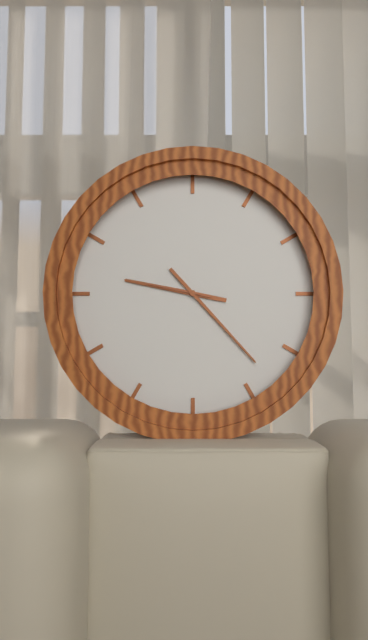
**9:23:47**
